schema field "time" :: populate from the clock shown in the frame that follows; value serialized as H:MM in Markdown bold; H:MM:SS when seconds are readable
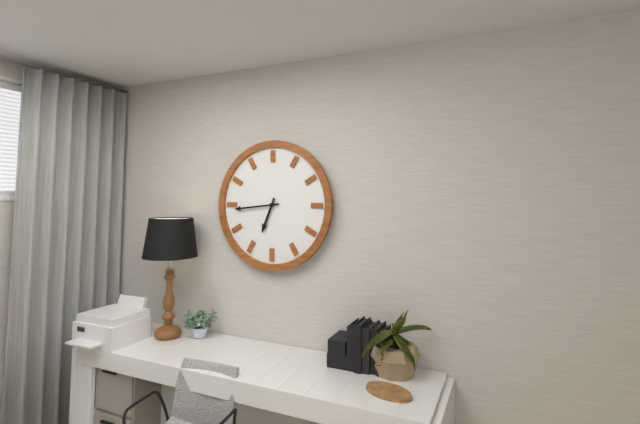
**6:44**
